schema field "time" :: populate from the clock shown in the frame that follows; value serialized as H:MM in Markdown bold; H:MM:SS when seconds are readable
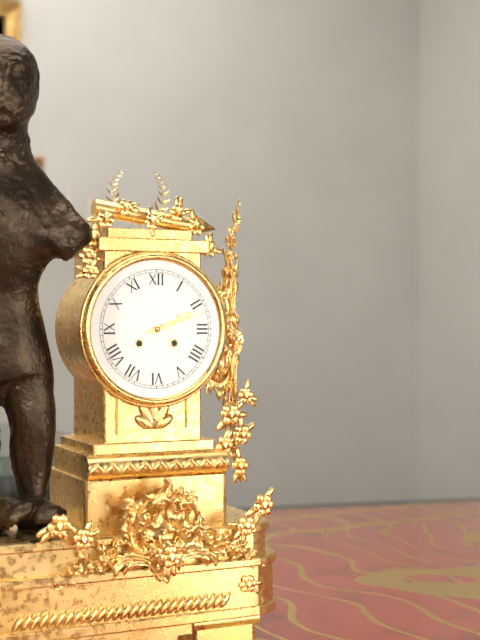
**2:12**
